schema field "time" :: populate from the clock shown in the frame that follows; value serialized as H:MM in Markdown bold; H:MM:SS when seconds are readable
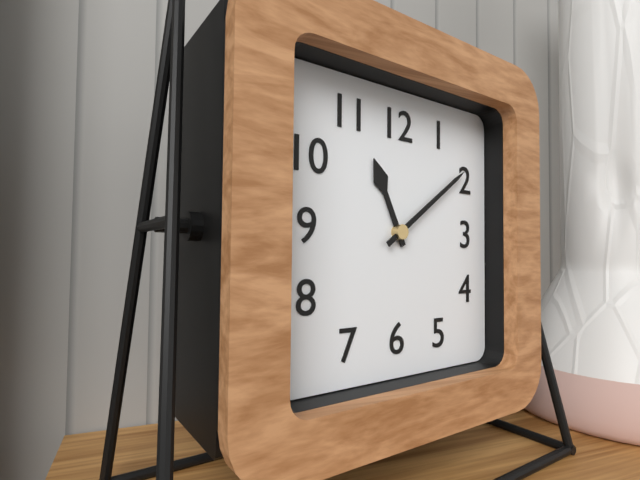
**11:09**
